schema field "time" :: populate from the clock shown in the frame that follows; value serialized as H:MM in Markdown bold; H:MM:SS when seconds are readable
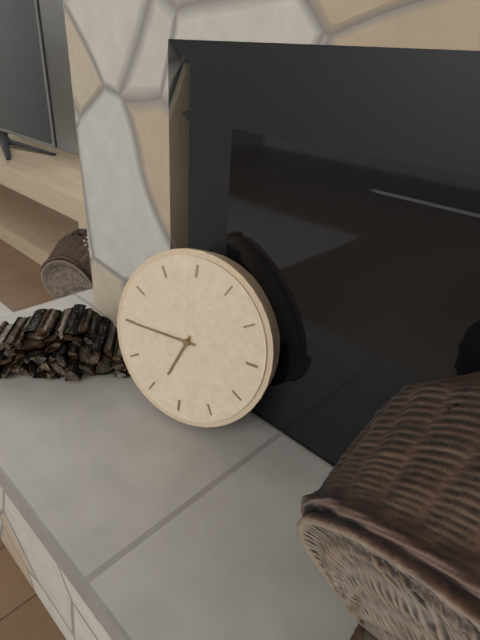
**6:45**
